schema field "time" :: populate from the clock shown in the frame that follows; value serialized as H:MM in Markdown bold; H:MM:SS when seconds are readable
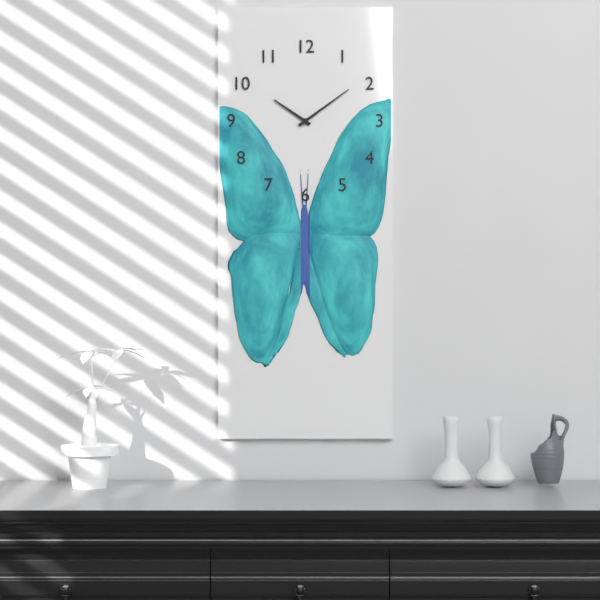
**10:09**
